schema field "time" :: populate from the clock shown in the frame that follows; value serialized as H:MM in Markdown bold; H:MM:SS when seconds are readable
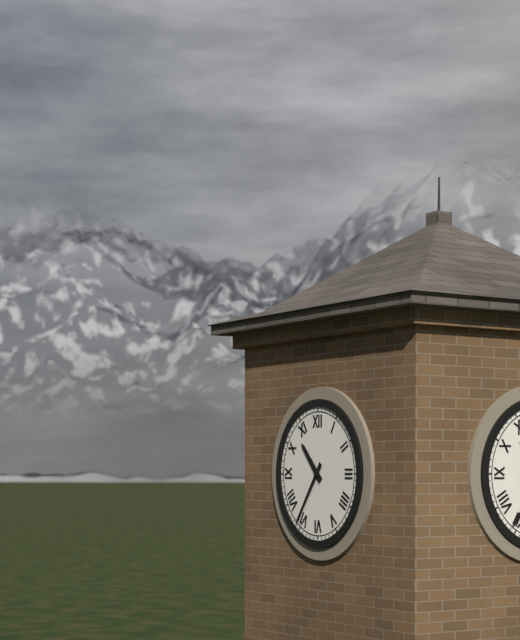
**10:36**
